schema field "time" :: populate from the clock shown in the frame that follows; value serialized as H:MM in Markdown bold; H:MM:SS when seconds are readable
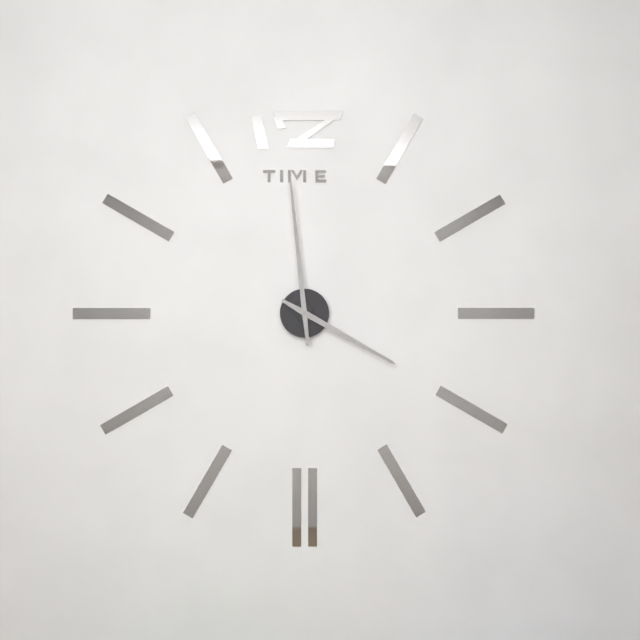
**3:59**
